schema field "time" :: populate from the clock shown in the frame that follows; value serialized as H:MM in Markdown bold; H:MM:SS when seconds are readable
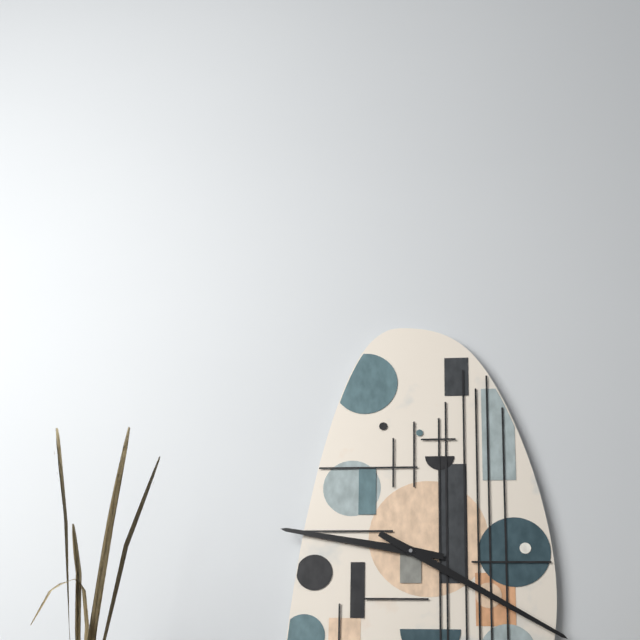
**9:20**
